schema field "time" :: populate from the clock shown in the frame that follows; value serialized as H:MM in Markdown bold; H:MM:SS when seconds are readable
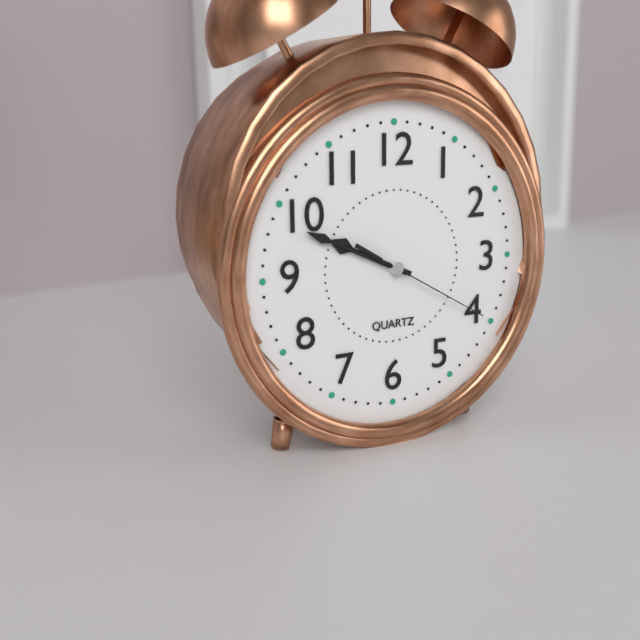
**9:49:20**
